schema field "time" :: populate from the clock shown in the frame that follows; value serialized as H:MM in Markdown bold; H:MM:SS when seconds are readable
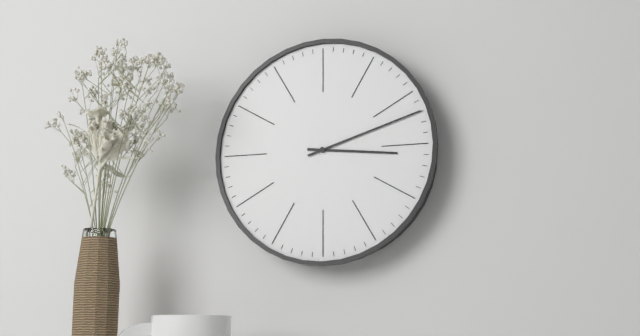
**3:12**
